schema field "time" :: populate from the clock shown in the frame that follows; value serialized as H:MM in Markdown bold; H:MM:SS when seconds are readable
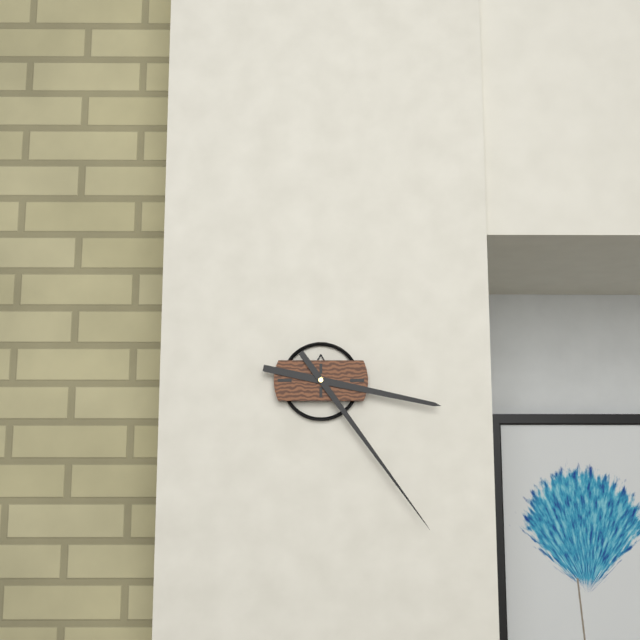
**3:24**
